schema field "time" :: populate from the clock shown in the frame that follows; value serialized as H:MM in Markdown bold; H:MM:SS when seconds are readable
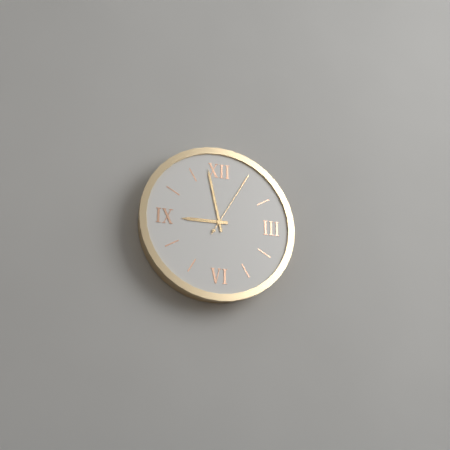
**8:58:05**
